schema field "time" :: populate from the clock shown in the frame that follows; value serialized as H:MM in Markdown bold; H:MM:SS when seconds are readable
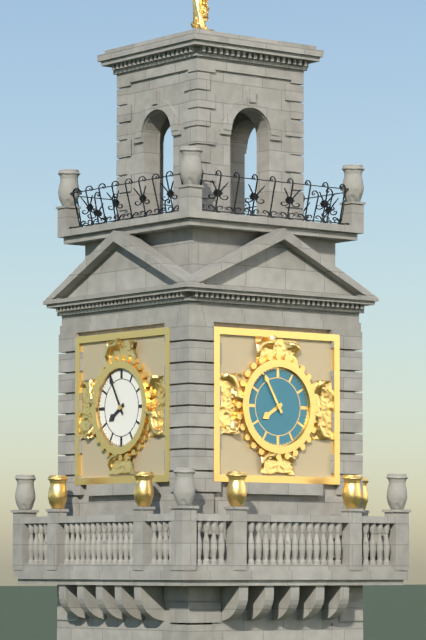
**7:55**
